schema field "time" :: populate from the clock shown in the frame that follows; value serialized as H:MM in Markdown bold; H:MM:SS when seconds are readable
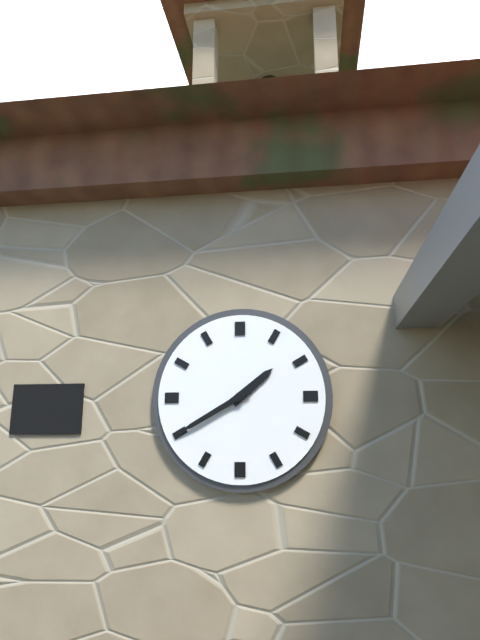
**1:40**
